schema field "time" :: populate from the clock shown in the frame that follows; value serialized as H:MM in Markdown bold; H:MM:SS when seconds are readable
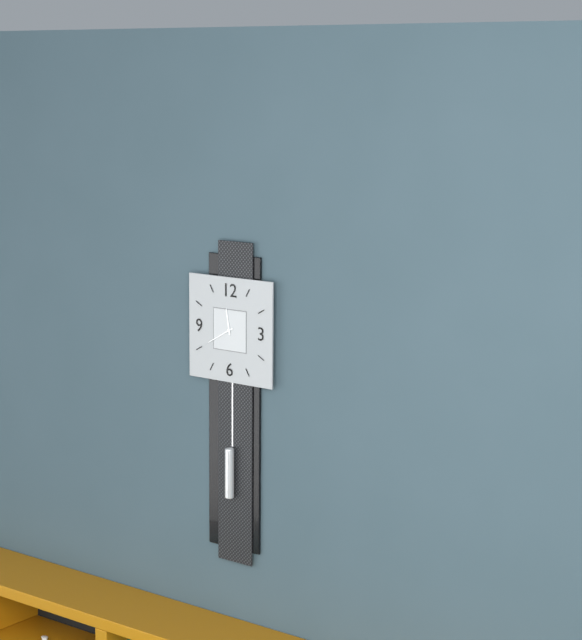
**11:40**
